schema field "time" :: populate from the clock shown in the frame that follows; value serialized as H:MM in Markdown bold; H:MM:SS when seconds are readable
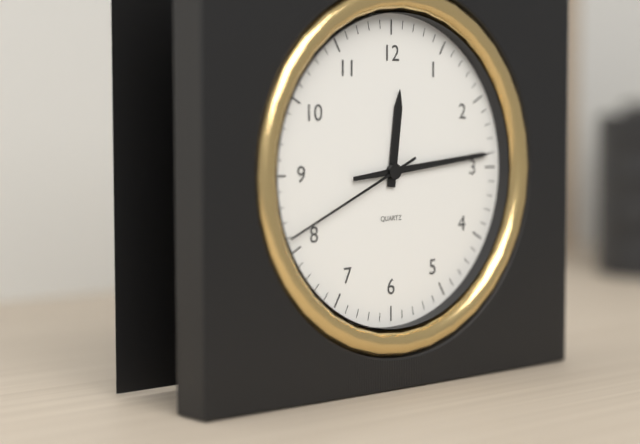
**12:14:41**
